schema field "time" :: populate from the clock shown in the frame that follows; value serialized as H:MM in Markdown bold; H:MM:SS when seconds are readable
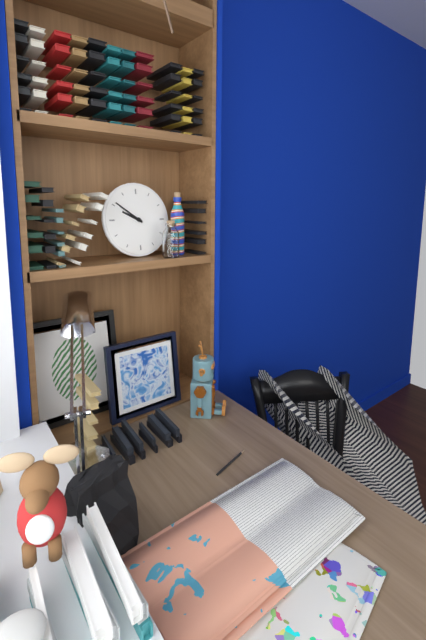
**9:51**
